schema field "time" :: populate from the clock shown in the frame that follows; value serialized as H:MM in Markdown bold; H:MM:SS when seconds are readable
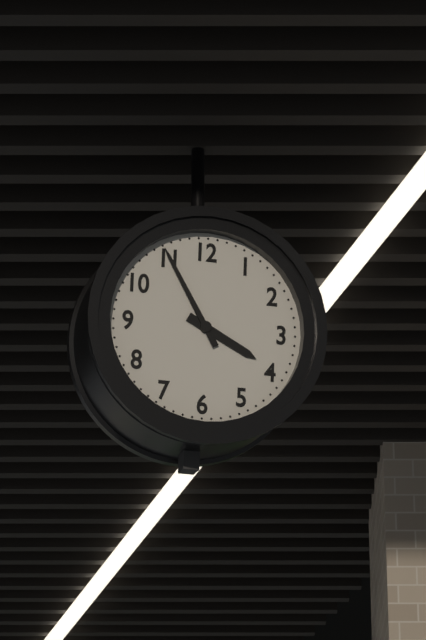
**3:55**
